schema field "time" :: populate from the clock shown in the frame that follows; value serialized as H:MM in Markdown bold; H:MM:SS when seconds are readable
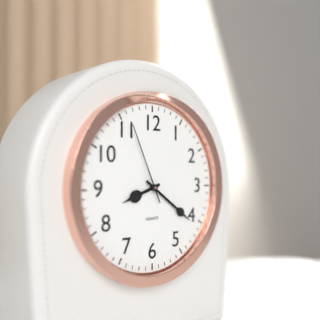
**8:21:56**
